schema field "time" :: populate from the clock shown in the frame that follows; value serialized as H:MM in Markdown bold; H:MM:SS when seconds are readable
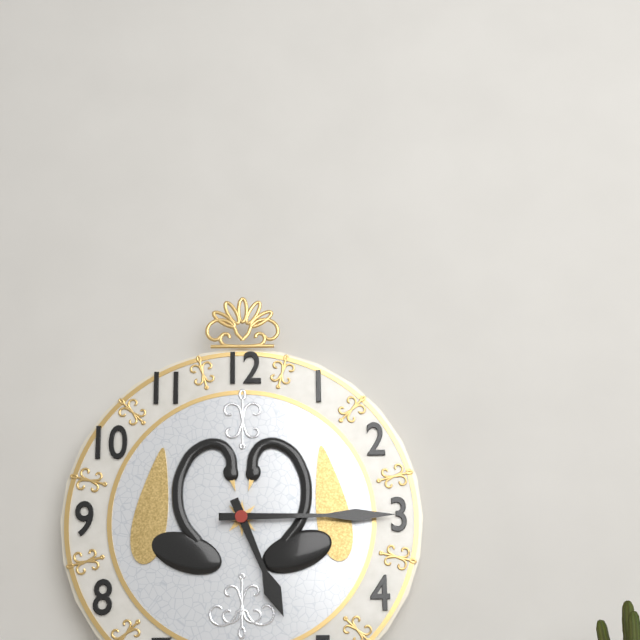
**5:15**
